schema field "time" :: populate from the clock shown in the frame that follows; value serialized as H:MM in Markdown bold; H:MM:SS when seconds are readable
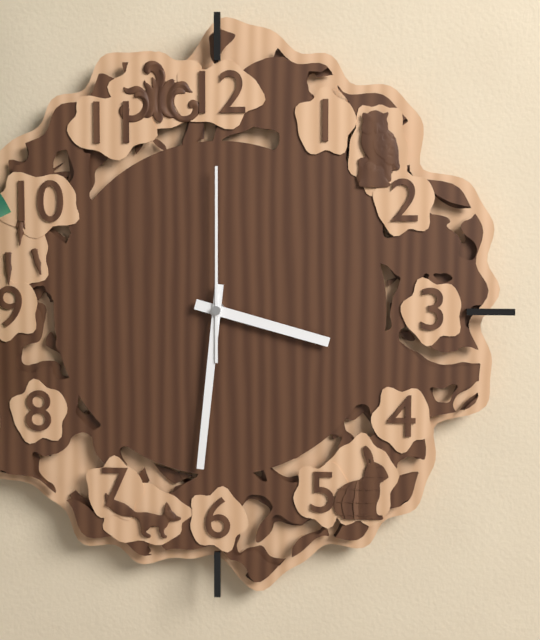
**3:31:00**
